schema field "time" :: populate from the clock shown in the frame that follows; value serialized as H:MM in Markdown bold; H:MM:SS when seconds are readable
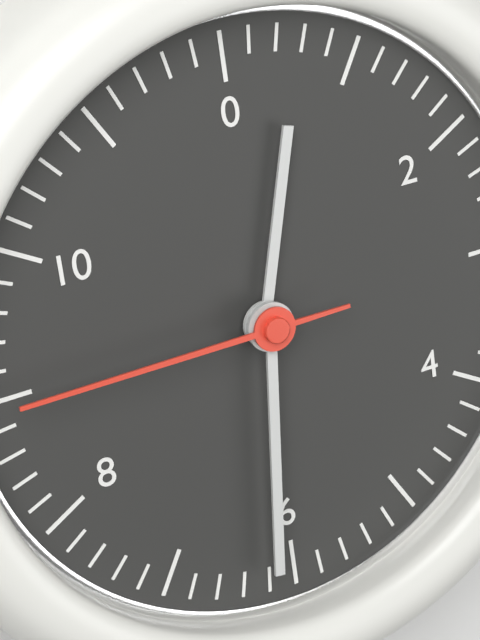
**12:31:45**
